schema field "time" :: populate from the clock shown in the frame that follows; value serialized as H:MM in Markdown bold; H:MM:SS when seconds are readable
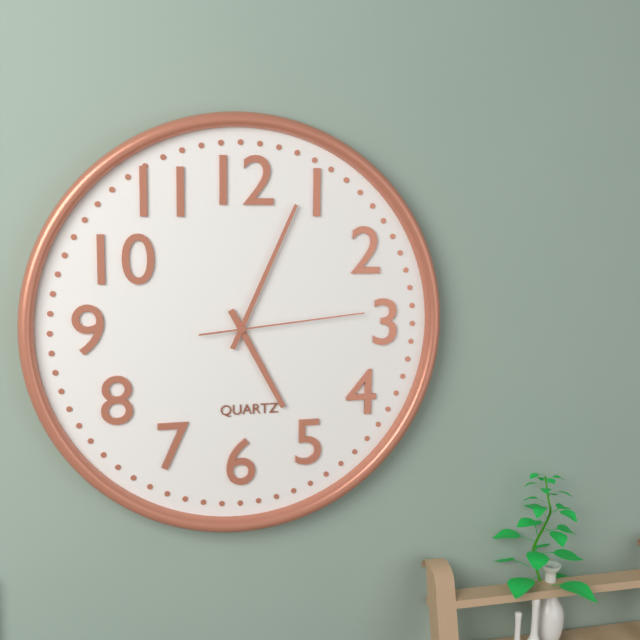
**5:04:14**
